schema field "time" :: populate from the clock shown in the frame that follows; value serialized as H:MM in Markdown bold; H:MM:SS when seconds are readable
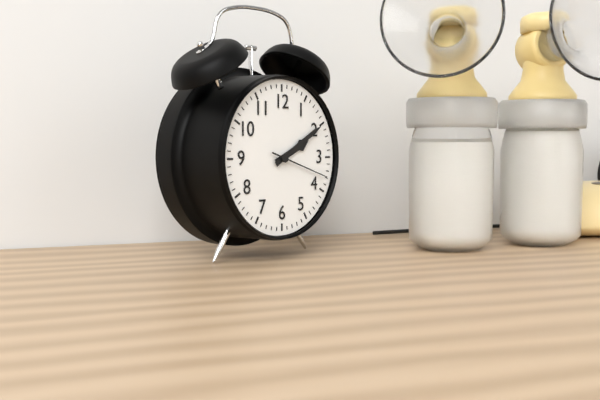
**2:10:18**
